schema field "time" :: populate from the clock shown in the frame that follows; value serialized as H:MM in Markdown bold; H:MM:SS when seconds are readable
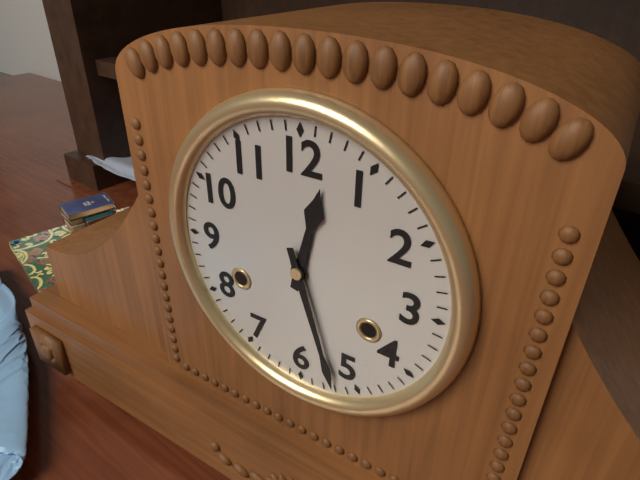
**12:27**
